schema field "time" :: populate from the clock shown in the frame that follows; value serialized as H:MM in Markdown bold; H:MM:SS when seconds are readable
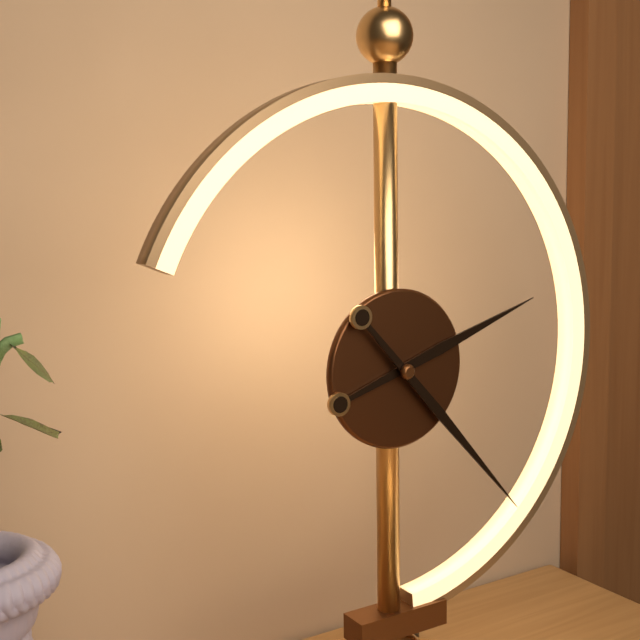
**2:23**
